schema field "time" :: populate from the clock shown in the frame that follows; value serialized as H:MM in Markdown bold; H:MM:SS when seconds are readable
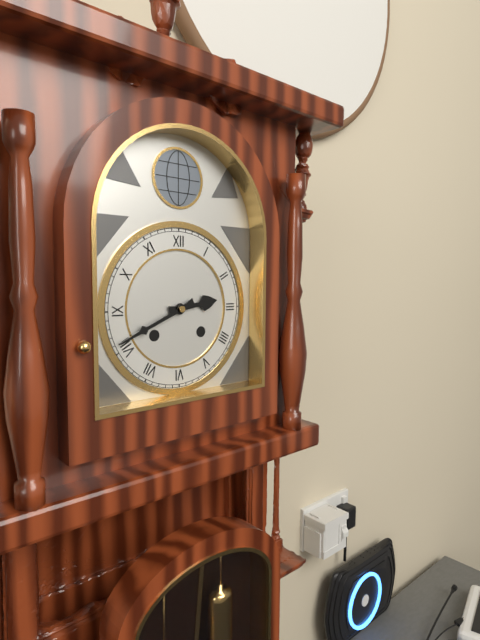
**2:41**
